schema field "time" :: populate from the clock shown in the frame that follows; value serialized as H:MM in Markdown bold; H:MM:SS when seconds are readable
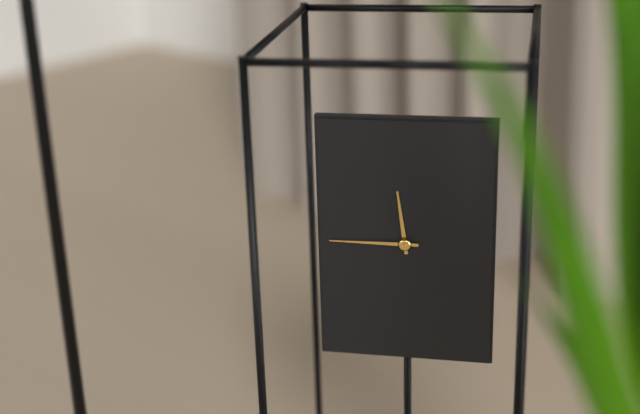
**11:45**
